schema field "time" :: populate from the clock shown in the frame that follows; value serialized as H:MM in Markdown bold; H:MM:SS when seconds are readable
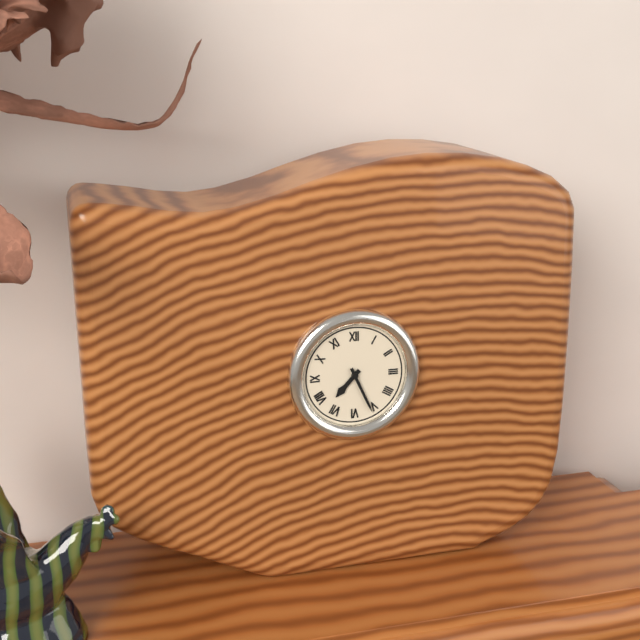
**7:26**
